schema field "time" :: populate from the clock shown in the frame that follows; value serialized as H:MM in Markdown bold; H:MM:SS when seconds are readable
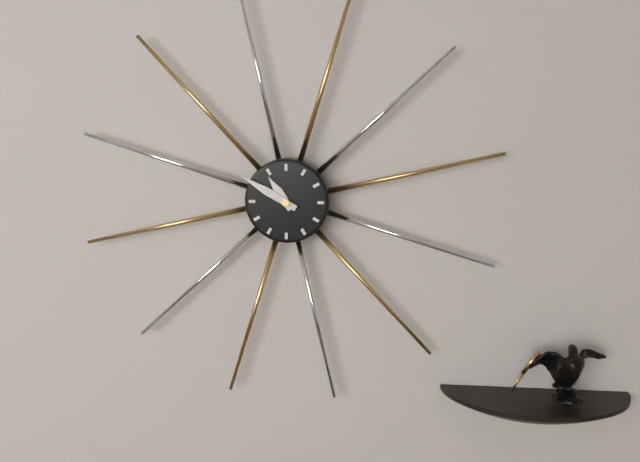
**10:50**
